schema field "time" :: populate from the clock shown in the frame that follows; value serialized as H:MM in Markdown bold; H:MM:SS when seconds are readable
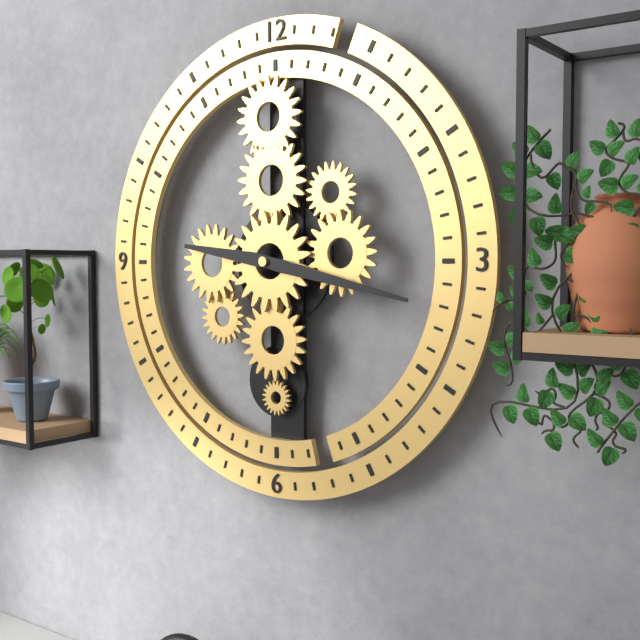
**9:17**
